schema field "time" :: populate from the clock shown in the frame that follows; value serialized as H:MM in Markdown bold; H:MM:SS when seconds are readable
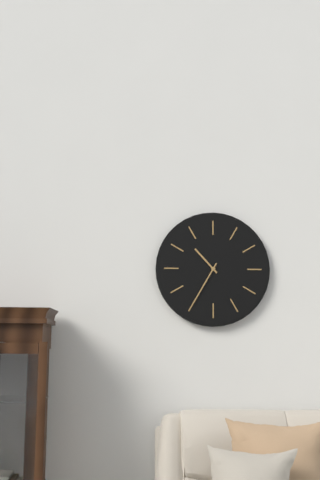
**10:35**
